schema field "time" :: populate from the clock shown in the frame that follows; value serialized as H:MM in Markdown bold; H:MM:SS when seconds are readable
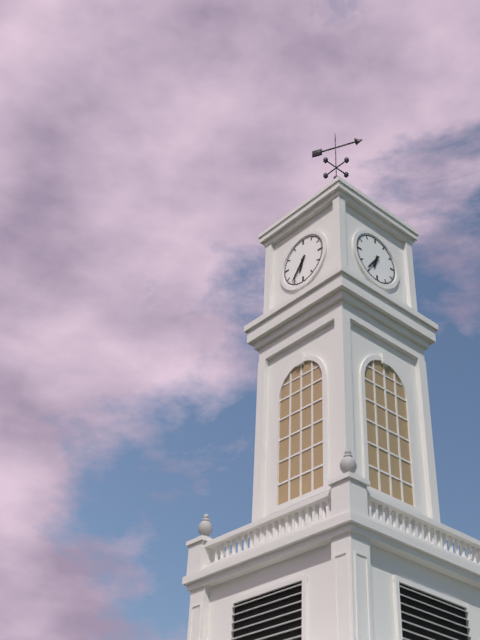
**6:36**
